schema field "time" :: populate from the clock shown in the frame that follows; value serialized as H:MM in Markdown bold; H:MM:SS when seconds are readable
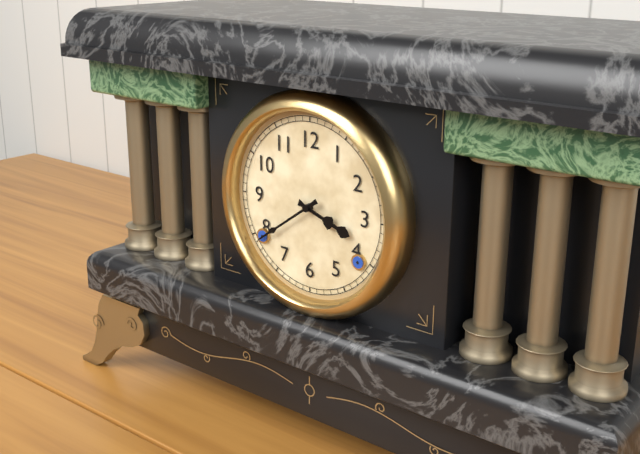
**3:39**
